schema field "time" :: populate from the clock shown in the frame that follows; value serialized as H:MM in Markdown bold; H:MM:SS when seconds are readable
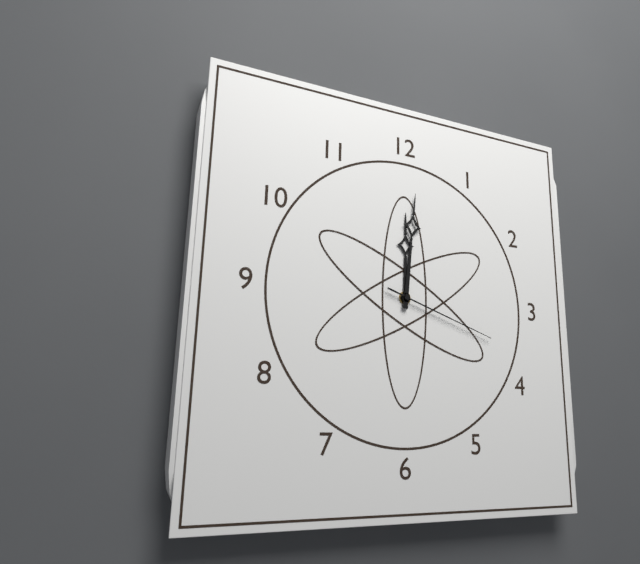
**12:01:18**
